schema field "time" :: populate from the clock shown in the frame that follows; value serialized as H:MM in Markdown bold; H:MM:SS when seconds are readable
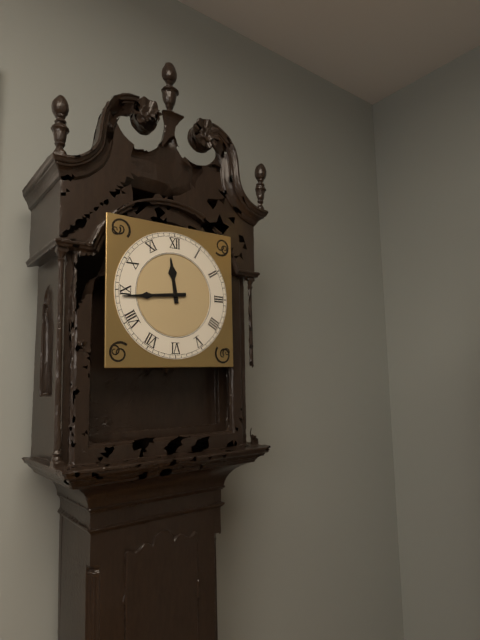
**11:44**
